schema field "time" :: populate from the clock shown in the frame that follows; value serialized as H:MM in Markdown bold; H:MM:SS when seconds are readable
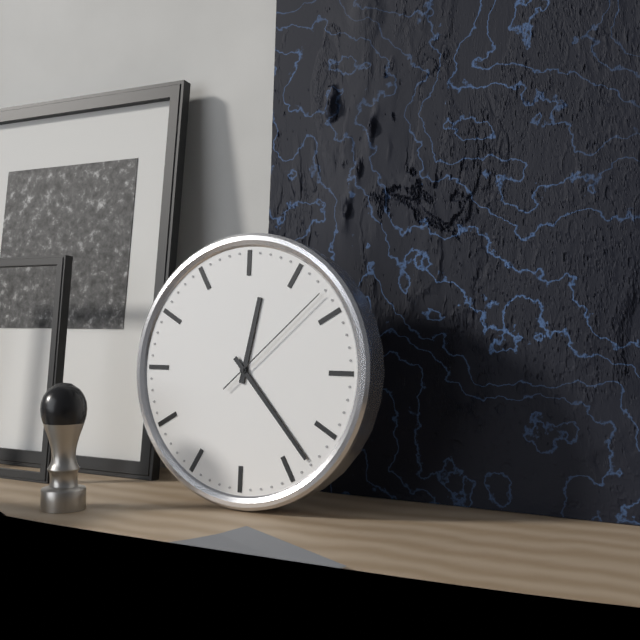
**12:23:08**
